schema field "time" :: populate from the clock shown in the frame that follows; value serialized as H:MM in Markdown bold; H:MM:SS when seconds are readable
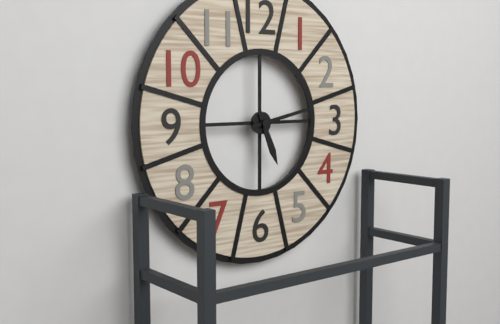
**5:13**
